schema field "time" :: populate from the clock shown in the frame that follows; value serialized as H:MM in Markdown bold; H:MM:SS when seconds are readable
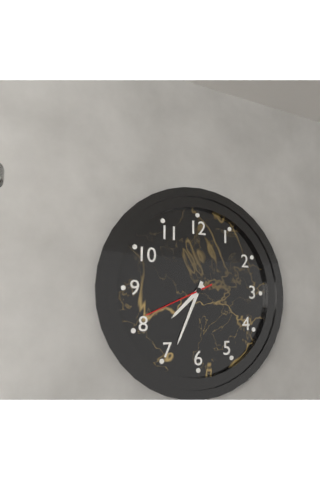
**7:34:41**
